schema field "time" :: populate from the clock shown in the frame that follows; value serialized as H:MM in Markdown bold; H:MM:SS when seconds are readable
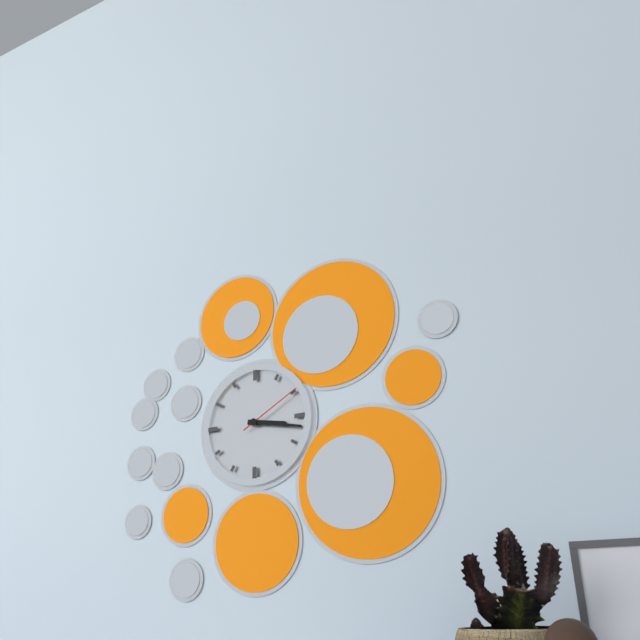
**3:17:10**
